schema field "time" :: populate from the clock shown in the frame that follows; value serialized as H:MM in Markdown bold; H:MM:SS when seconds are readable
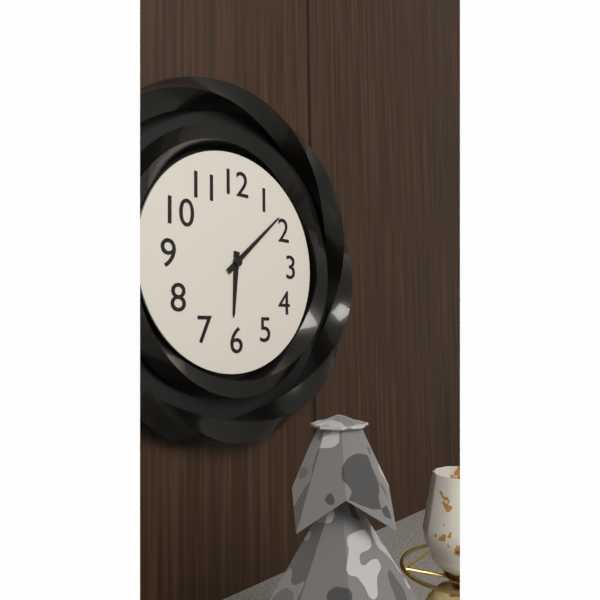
**6:08**
